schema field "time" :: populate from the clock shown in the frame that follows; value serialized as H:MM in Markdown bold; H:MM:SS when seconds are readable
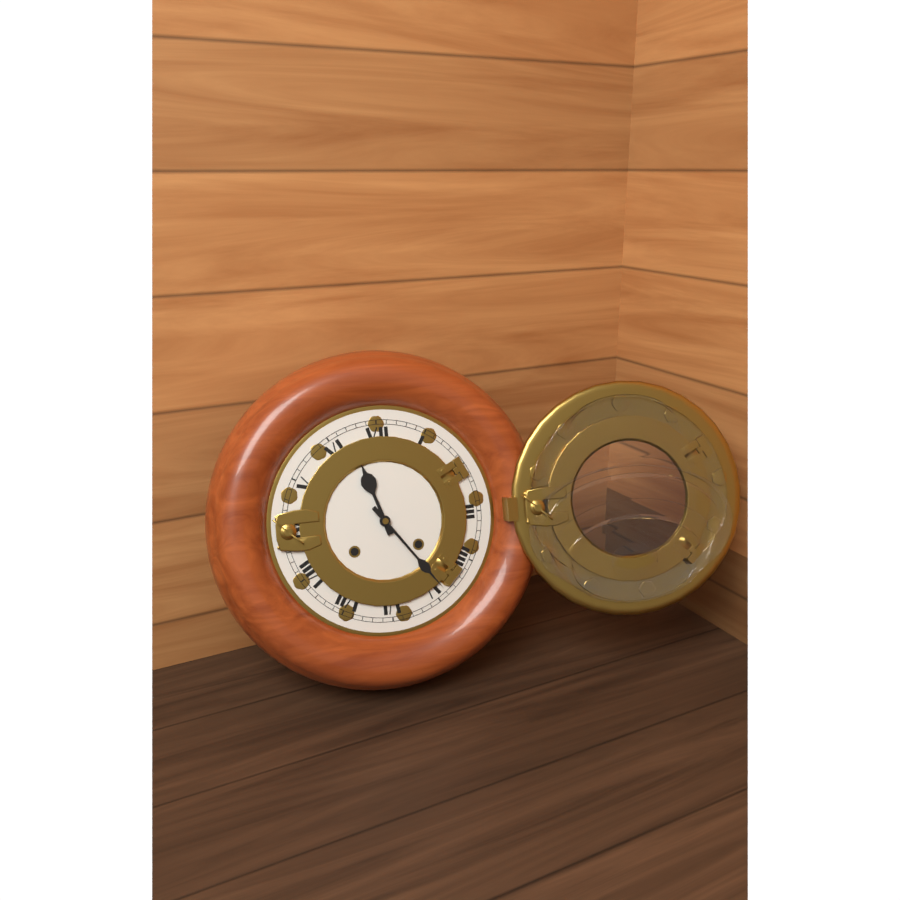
**11:24**
